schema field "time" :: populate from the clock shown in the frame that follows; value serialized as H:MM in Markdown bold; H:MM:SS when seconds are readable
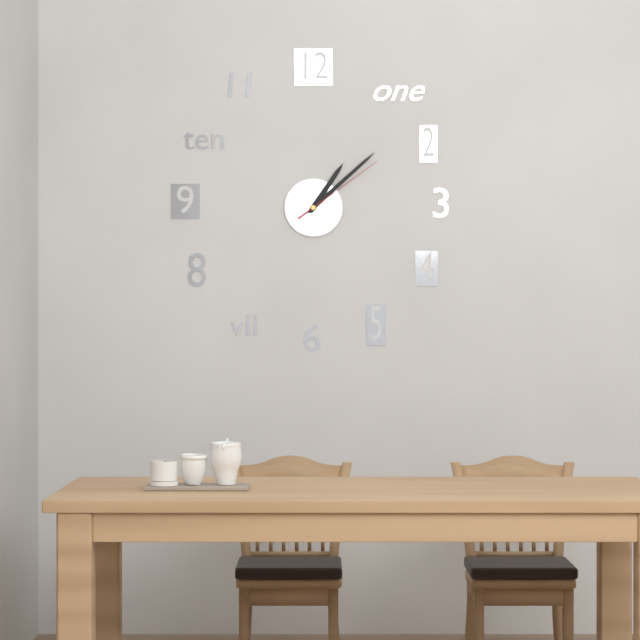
**1:08:09**
